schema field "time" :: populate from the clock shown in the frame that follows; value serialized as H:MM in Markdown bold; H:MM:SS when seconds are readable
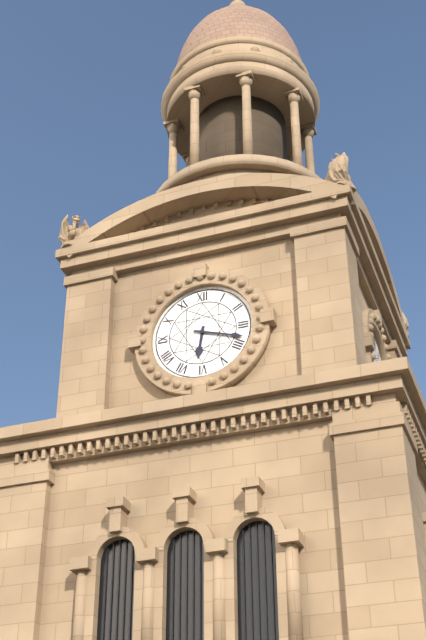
**6:18**
